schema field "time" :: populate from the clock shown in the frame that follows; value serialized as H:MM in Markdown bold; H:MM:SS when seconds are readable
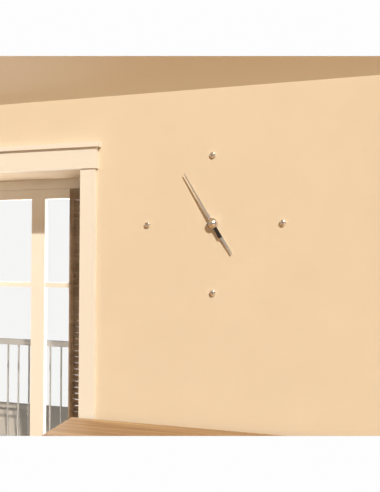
**4:55**
